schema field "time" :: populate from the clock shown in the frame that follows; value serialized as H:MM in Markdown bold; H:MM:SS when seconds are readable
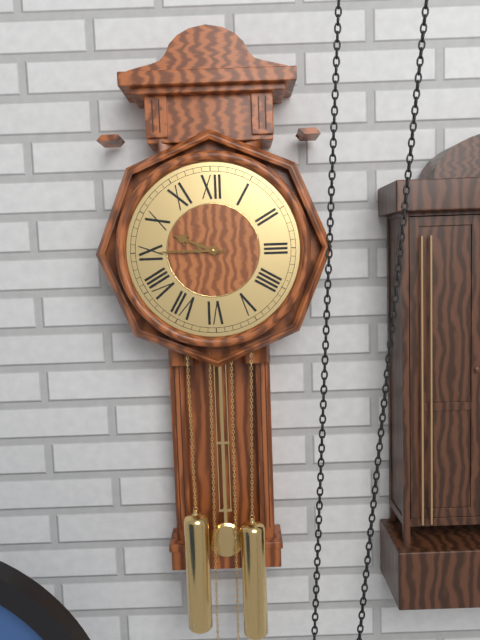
**9:45**
